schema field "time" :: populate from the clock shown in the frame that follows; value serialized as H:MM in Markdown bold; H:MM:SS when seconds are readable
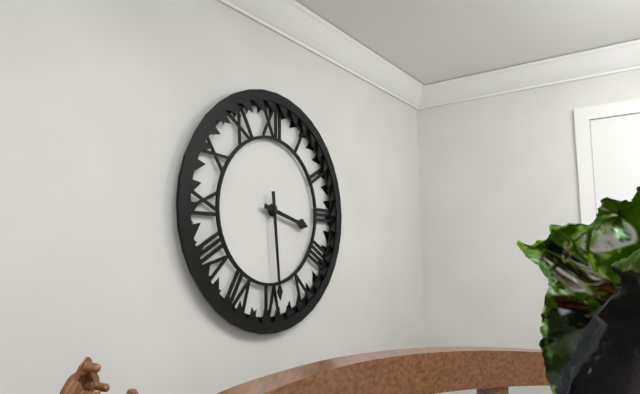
**3:29**
